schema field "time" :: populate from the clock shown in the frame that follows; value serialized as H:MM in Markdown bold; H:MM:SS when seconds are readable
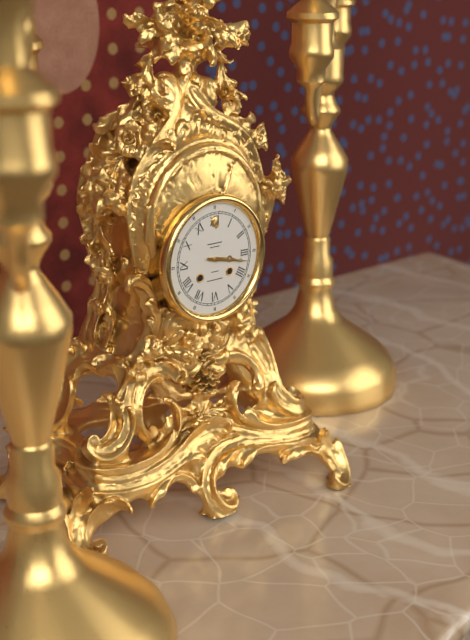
**3:17**
